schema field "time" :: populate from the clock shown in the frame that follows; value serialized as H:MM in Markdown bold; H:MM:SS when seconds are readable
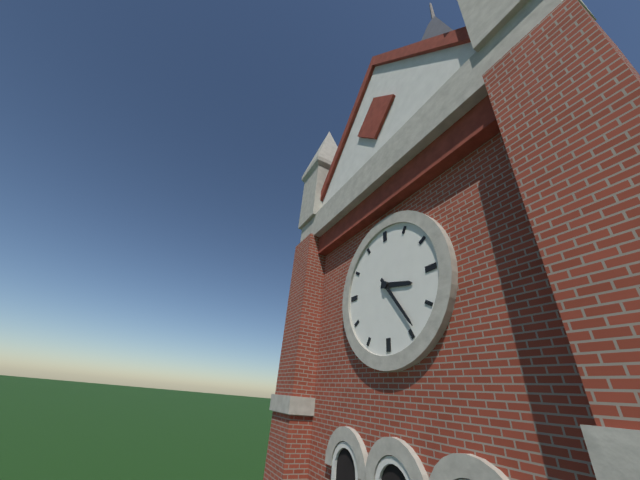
**3:24**
